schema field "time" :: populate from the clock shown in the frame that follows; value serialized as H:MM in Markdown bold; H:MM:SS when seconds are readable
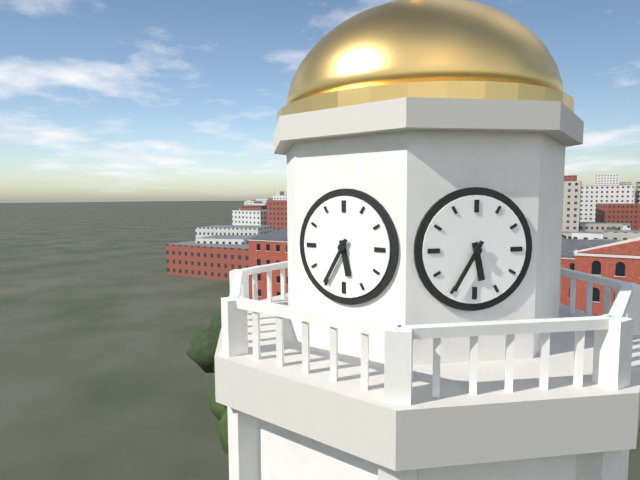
**5:35**
